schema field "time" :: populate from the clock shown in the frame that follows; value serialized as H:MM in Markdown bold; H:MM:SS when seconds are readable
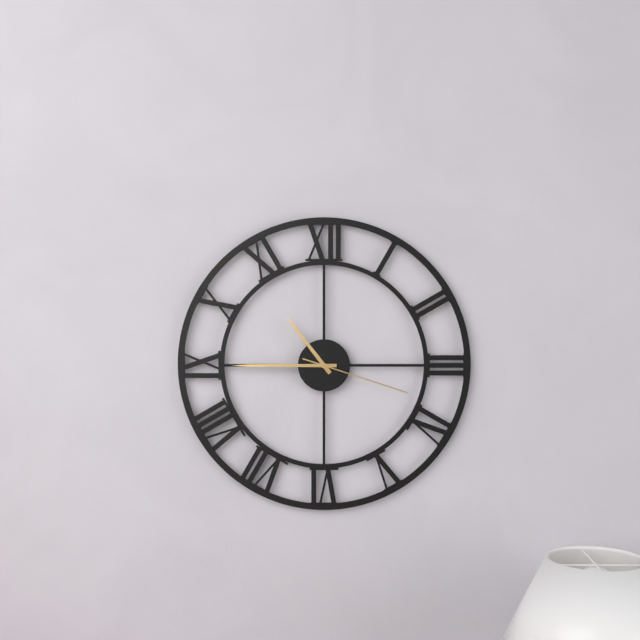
**10:45:18**
